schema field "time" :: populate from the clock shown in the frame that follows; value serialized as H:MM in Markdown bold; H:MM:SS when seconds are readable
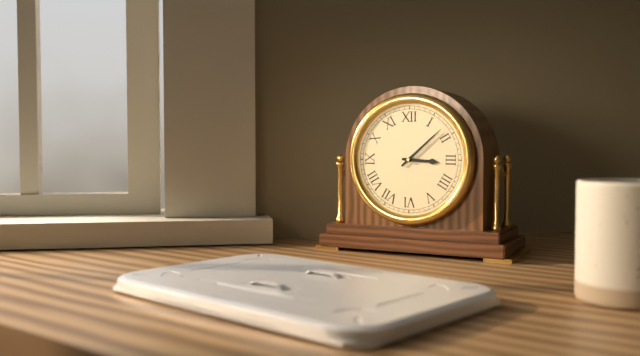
**3:08**
